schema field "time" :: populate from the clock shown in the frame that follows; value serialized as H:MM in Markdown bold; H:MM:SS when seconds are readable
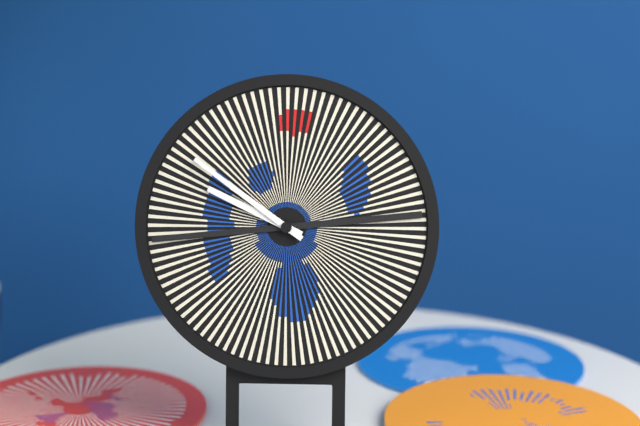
**9:51**
